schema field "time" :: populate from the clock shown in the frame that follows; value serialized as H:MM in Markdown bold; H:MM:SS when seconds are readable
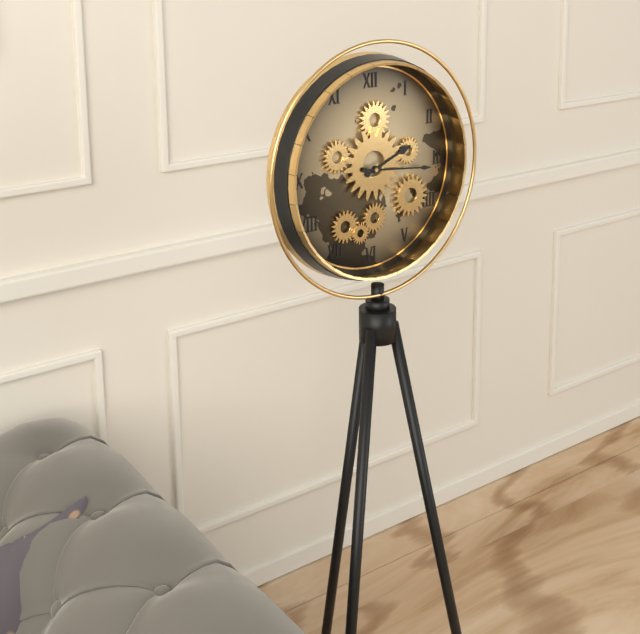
**2:16**
